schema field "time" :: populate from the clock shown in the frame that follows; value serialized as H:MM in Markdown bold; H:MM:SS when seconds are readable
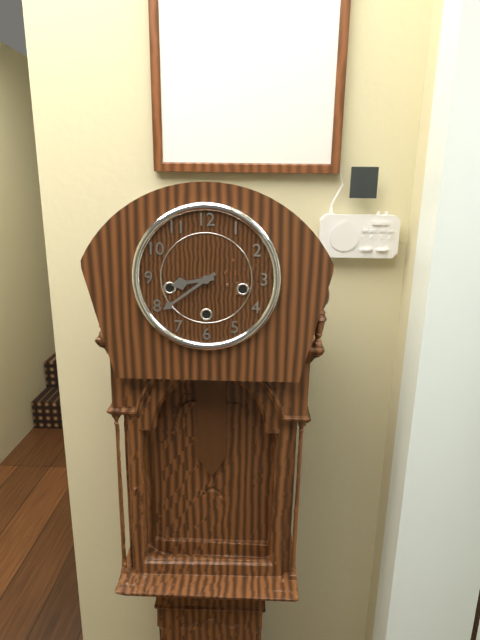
**8:39**
